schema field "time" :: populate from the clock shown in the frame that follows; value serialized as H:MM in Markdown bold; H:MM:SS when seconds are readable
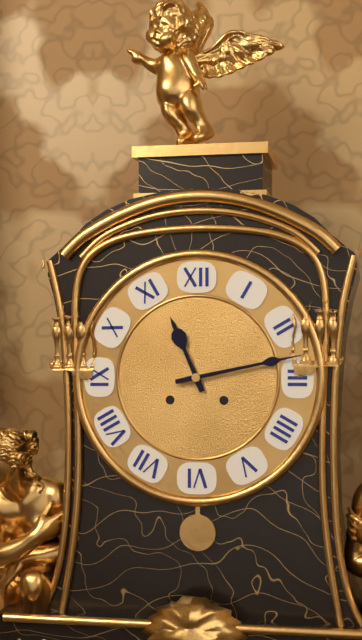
**11:13**
